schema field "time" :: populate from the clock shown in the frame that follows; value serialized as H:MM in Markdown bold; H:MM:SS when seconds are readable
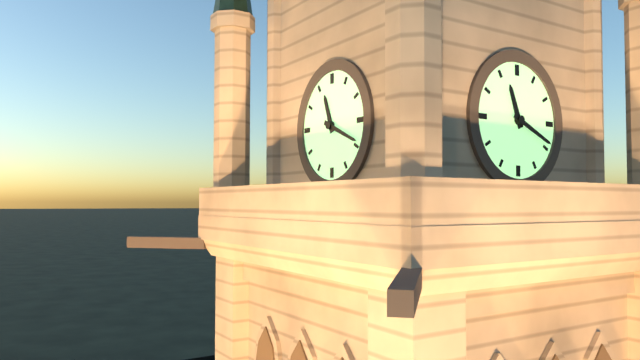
**11:19**
